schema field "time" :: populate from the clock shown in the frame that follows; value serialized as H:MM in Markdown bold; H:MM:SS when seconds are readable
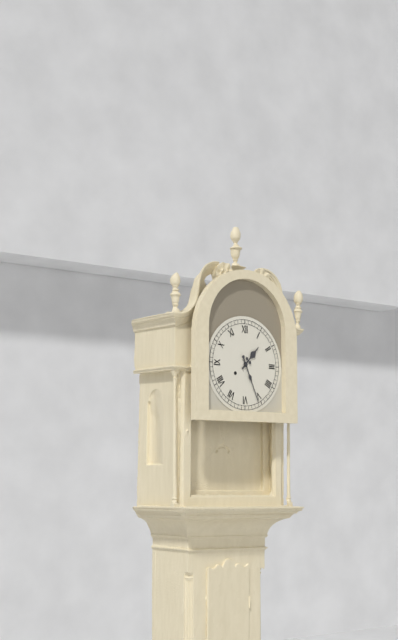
**1:26**
